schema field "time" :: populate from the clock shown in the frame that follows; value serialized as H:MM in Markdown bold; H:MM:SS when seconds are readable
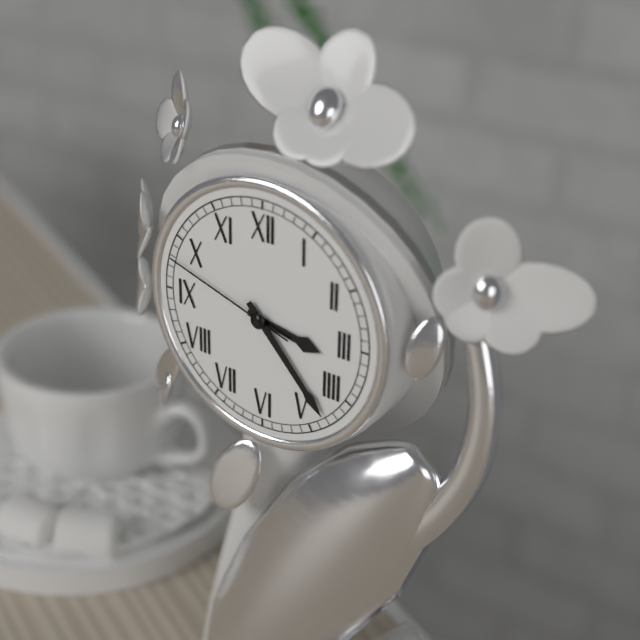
**3:23:48**
